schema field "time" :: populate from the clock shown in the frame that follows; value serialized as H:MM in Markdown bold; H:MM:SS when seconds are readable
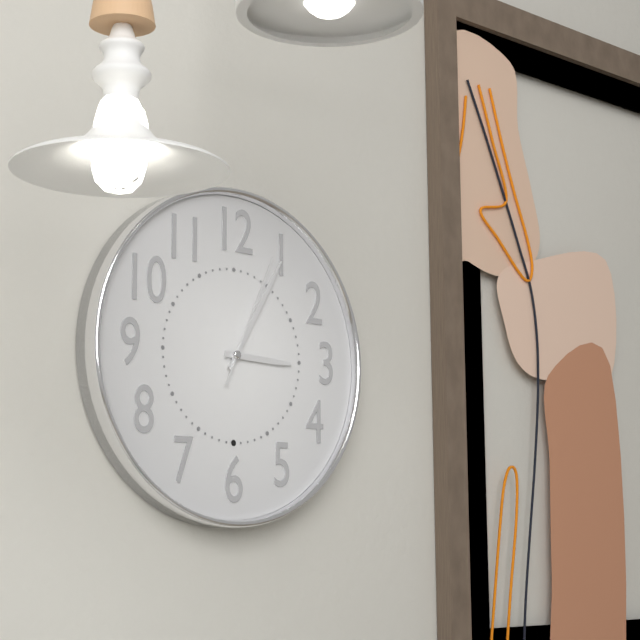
**3:05:04**
